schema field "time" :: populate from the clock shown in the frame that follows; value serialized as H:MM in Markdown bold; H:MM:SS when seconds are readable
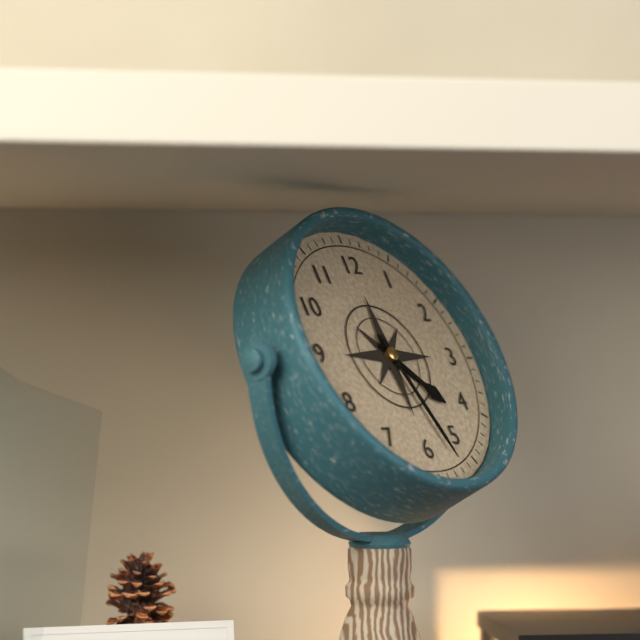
**4:27**
